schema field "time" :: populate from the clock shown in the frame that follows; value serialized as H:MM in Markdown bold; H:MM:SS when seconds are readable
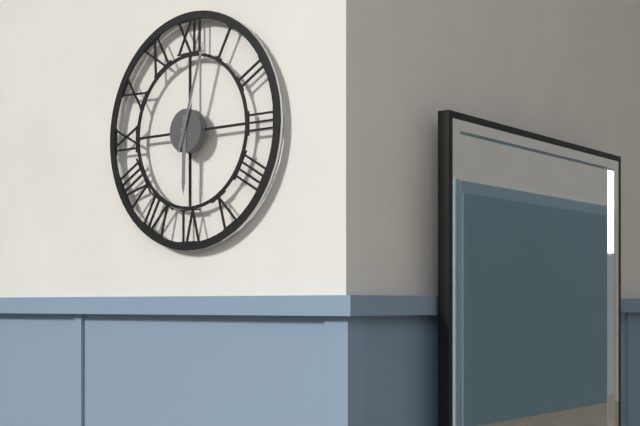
**6:03**
